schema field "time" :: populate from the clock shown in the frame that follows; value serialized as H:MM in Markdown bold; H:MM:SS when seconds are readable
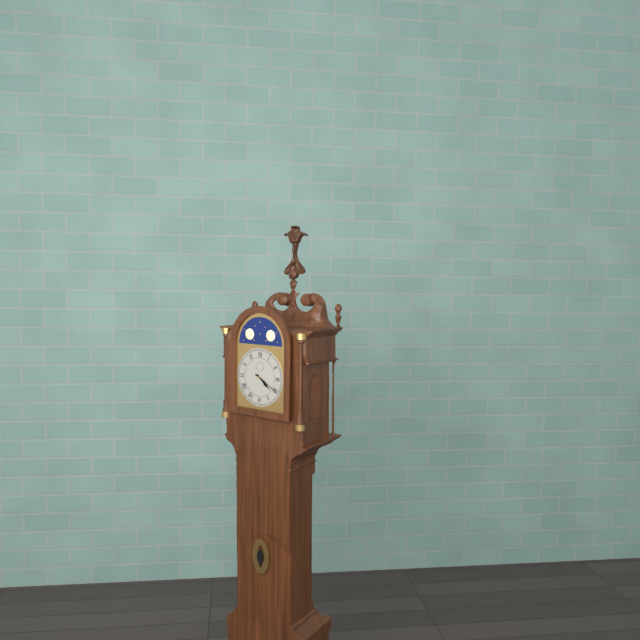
**4:20**
